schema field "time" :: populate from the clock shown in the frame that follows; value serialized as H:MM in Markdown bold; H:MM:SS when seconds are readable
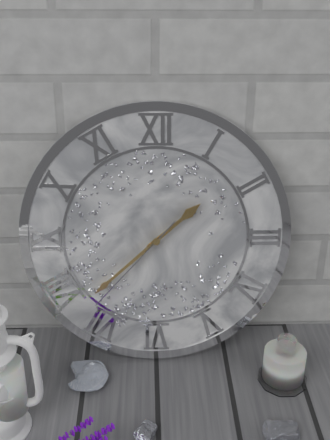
**1:38:37**
